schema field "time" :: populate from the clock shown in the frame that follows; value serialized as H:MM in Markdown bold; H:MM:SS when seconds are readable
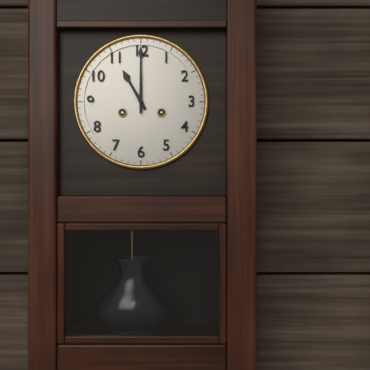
**11:00**
